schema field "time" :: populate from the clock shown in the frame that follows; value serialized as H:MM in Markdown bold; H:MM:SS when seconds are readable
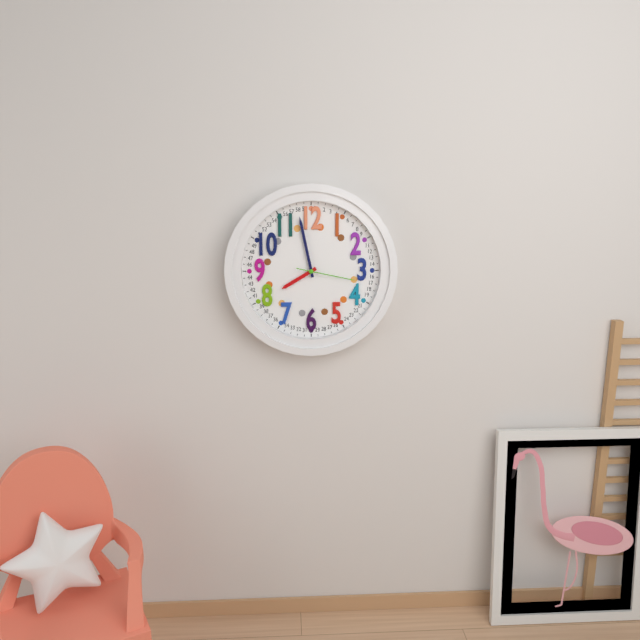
**7:58:17**
